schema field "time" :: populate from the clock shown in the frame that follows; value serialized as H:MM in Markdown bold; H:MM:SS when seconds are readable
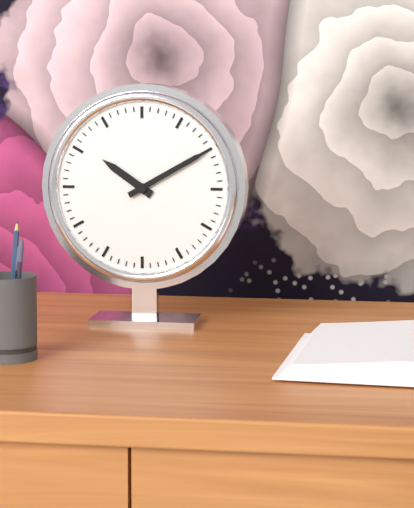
**10:10**
